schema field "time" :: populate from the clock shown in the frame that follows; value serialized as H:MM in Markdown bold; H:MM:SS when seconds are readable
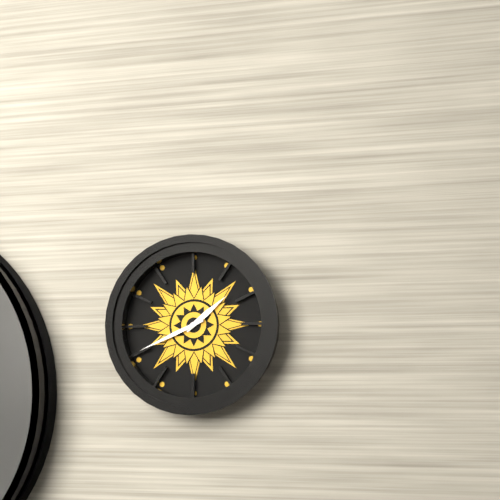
**1:41**
